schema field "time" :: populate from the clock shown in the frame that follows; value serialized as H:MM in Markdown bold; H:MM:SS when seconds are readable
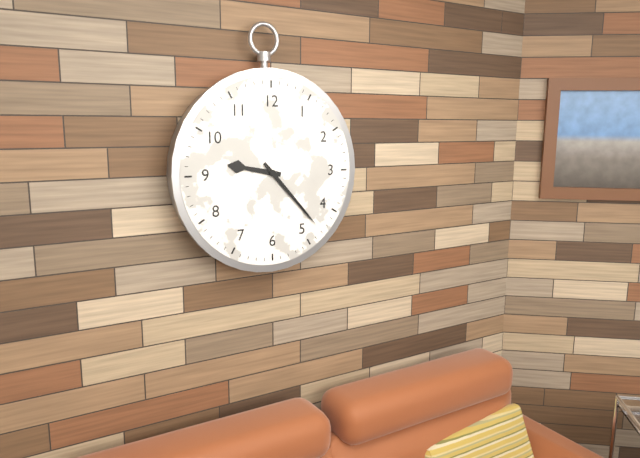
**9:23**
